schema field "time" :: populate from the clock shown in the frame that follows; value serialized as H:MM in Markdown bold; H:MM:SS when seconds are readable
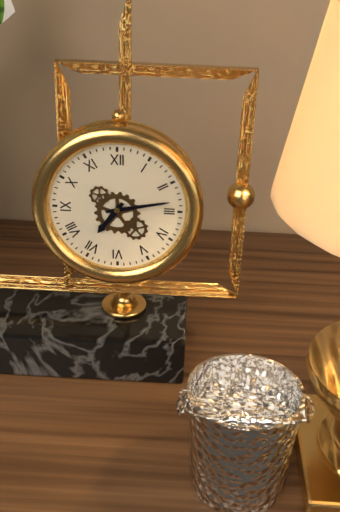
**7:13**
